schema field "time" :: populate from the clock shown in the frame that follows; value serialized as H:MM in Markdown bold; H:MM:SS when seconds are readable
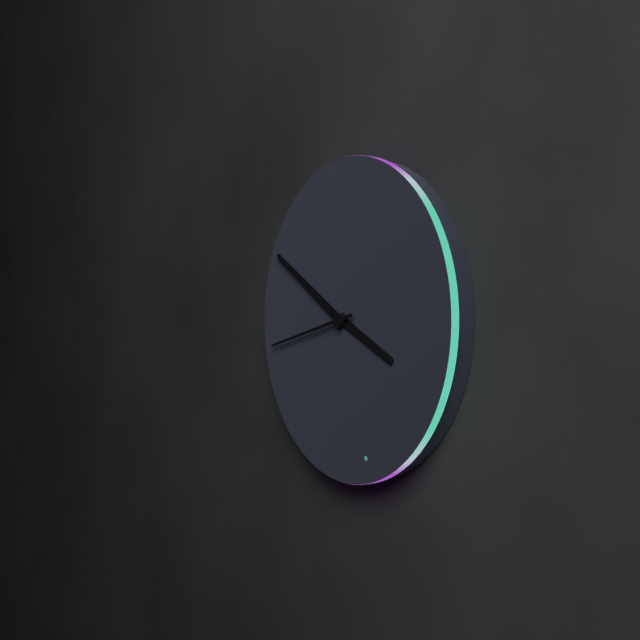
**3:50:43**
